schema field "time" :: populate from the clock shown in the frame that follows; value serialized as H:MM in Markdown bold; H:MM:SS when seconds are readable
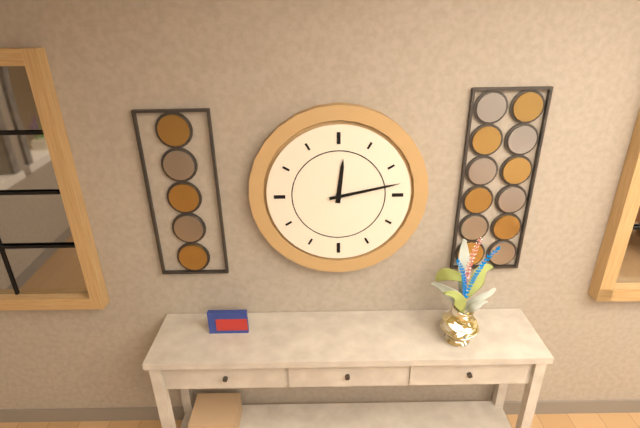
**12:13**
